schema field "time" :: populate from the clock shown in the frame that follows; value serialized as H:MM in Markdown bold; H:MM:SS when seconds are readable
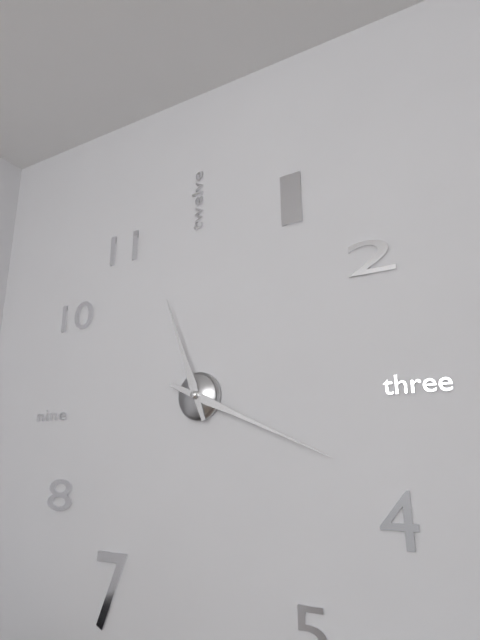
**11:19**
